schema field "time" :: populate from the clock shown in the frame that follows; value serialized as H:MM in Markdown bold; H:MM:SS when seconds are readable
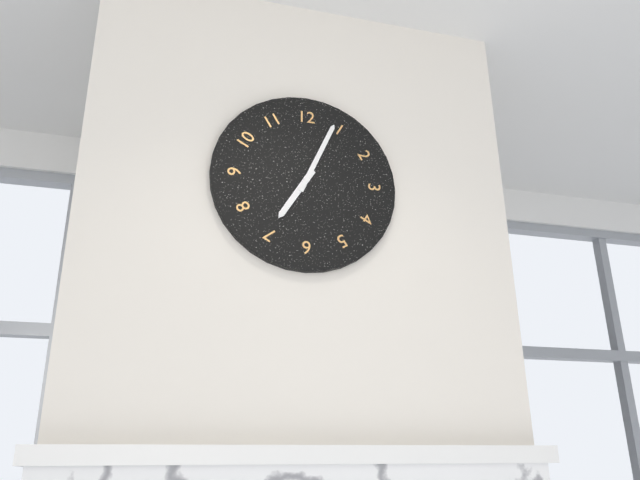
**7:04**
